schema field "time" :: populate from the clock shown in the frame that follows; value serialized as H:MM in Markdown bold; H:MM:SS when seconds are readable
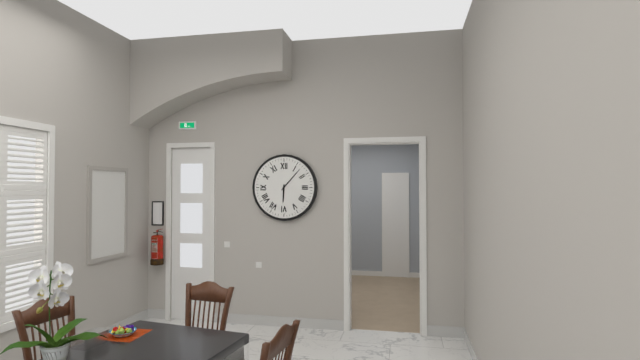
**6:07**
